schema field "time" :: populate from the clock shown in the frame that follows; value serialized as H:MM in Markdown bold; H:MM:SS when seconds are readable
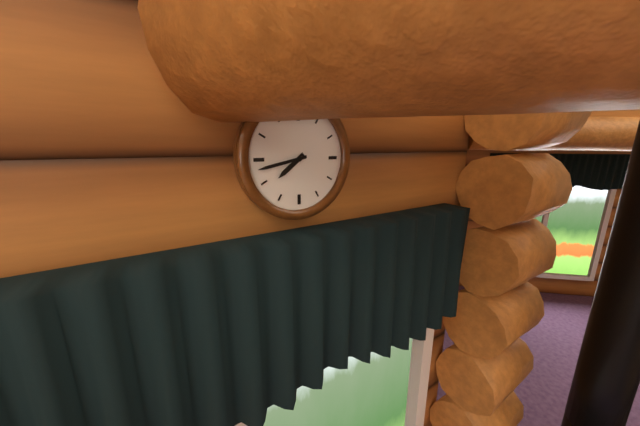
**7:43**
